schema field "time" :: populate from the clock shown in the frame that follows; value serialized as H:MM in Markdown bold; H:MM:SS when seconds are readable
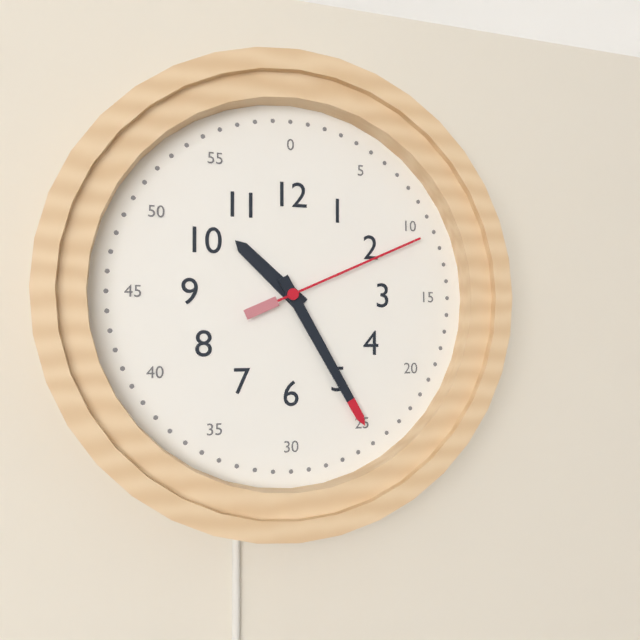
**10:25:11**
